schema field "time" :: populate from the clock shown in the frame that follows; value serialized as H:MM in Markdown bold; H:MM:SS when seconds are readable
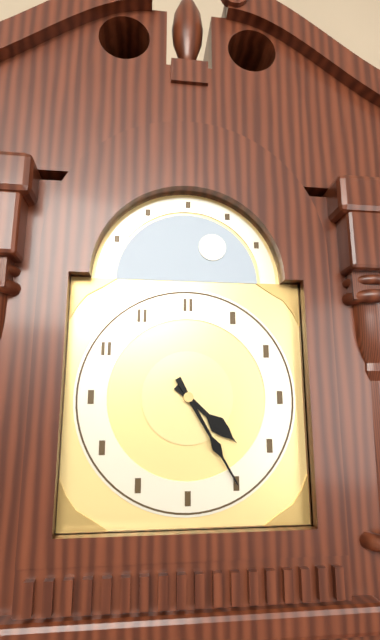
**4:25**
